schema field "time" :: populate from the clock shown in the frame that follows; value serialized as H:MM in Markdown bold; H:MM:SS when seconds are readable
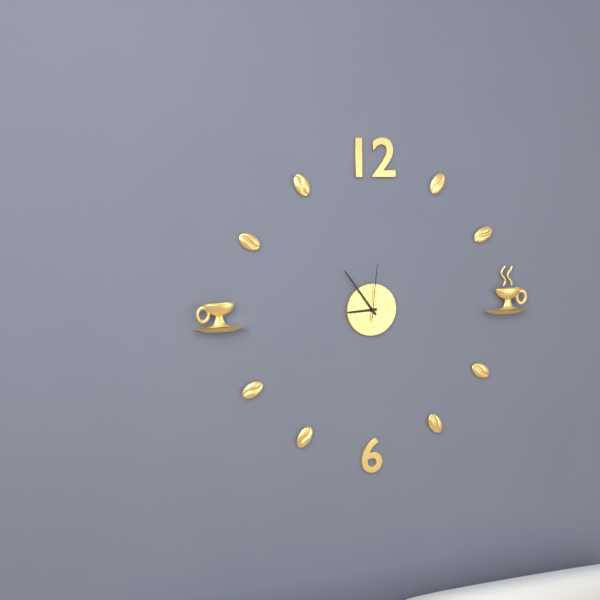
**8:54:01**
